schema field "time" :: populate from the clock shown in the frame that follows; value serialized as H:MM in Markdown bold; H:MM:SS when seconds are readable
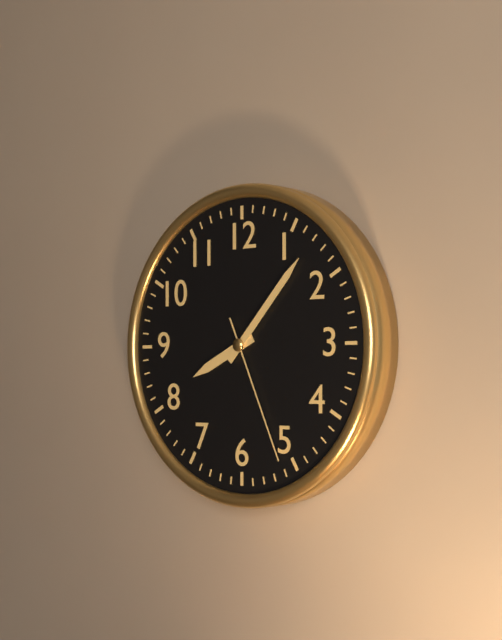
**8:07:26**
